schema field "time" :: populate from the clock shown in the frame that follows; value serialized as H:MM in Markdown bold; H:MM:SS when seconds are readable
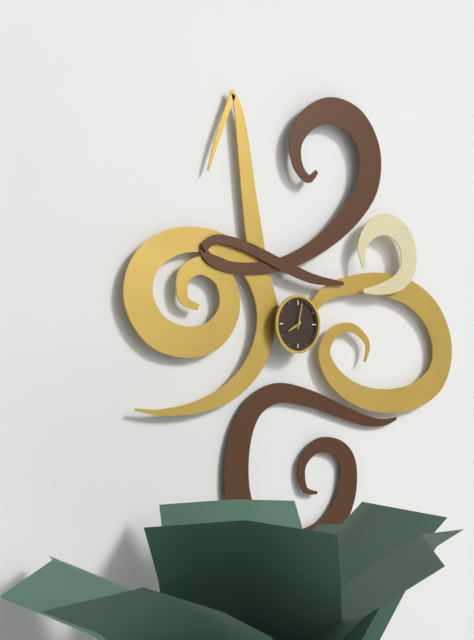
**8:02**
